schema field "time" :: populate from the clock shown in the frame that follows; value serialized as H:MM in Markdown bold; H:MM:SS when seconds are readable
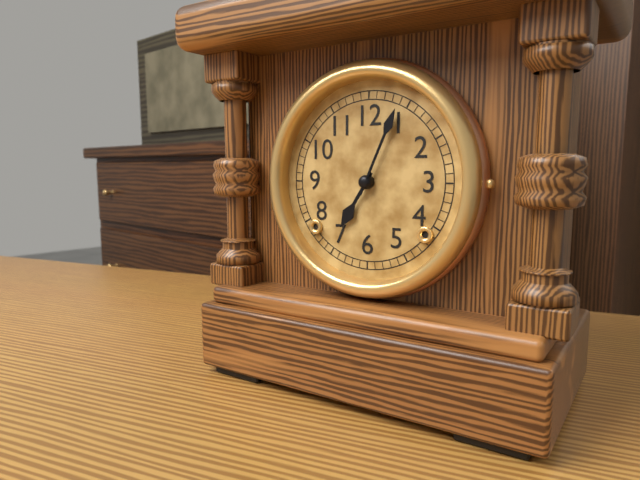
**7:04**
